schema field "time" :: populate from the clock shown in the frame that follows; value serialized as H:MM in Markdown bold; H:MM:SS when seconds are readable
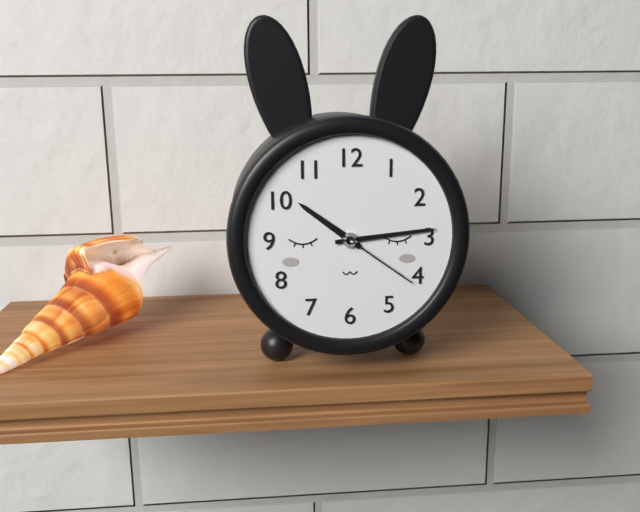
**10:14:21**
